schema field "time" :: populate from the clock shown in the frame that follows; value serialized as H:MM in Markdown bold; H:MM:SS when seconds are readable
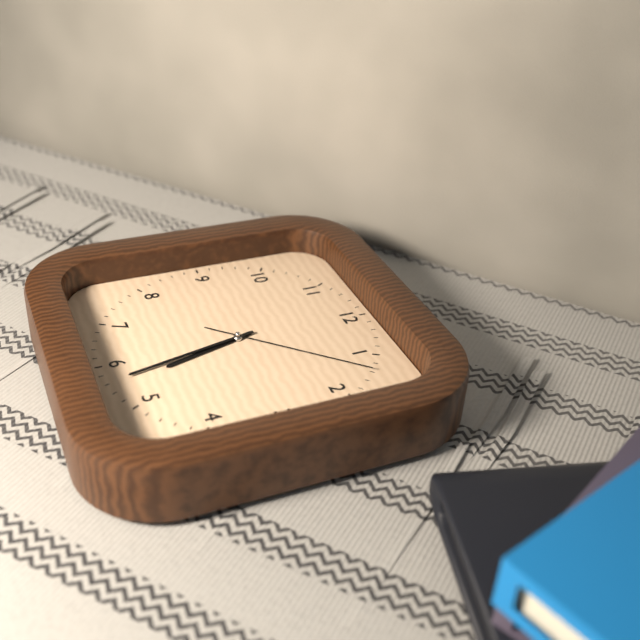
**5:28:07**
